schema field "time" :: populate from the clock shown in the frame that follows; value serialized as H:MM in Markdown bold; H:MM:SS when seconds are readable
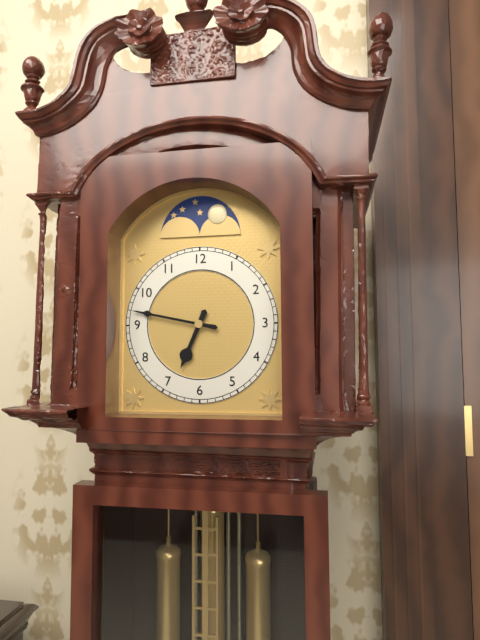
**6:47**
